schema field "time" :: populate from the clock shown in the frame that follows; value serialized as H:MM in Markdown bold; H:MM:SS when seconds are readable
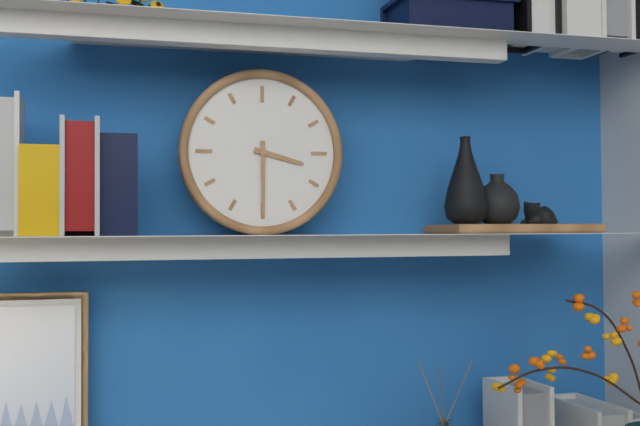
**3:30**
